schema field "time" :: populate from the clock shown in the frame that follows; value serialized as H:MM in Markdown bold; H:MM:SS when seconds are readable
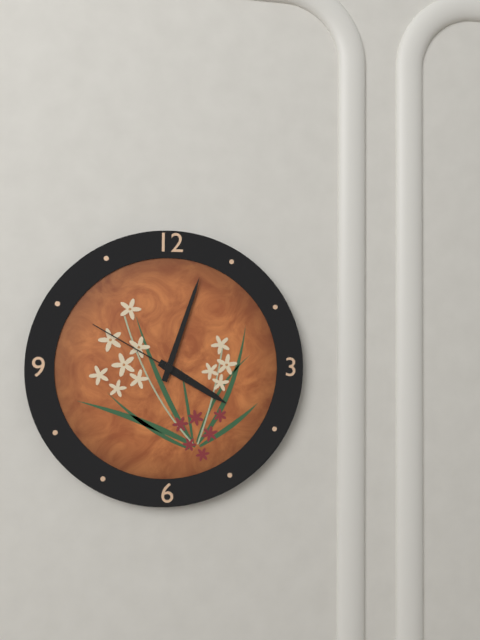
**4:03:50**
